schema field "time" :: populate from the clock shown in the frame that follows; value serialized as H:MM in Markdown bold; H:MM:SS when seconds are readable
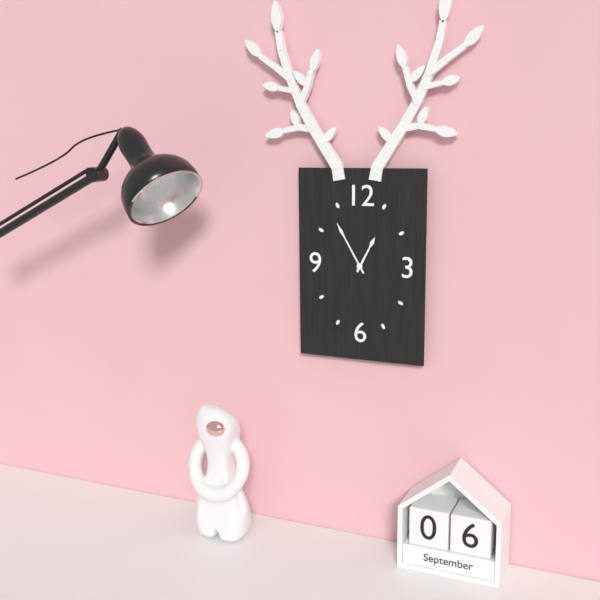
**12:55**
